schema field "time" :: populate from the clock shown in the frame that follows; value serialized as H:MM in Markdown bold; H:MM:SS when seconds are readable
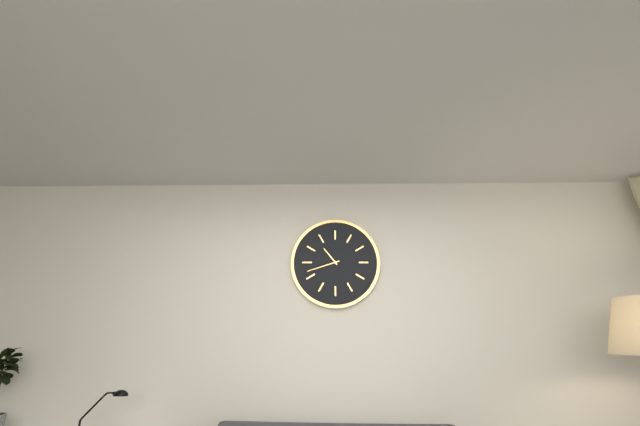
**10:42**
